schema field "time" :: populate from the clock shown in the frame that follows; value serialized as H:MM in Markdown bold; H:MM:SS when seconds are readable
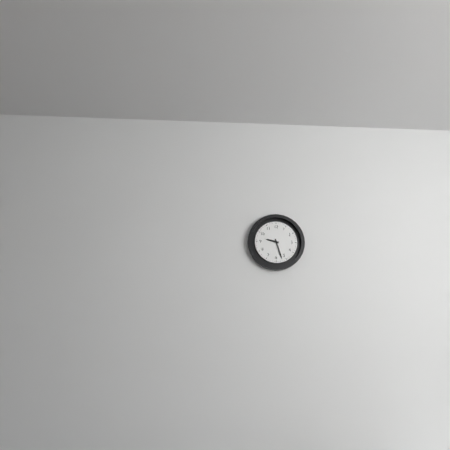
**9:27**
